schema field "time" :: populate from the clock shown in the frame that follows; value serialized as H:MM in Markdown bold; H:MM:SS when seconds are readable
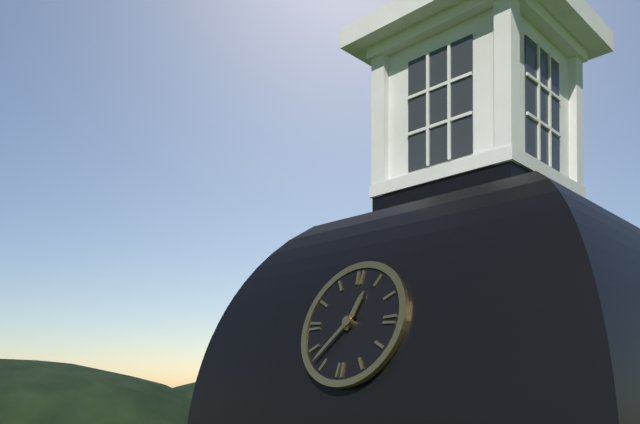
**12:37**
